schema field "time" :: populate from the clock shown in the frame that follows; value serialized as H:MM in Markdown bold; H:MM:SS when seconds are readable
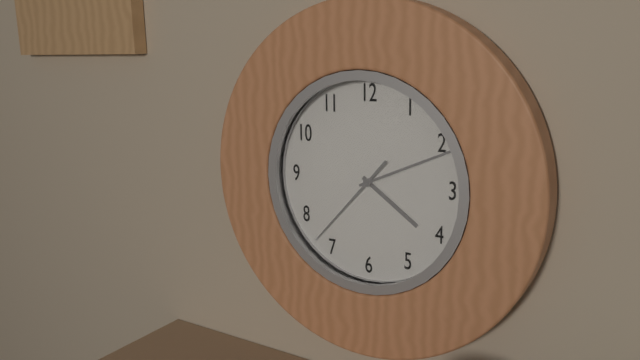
**4:11:37**
